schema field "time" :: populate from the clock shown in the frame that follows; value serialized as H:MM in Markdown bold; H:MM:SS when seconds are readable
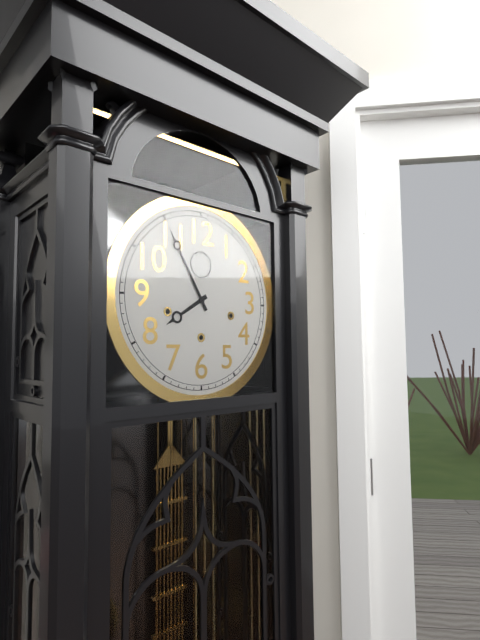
**7:55**
